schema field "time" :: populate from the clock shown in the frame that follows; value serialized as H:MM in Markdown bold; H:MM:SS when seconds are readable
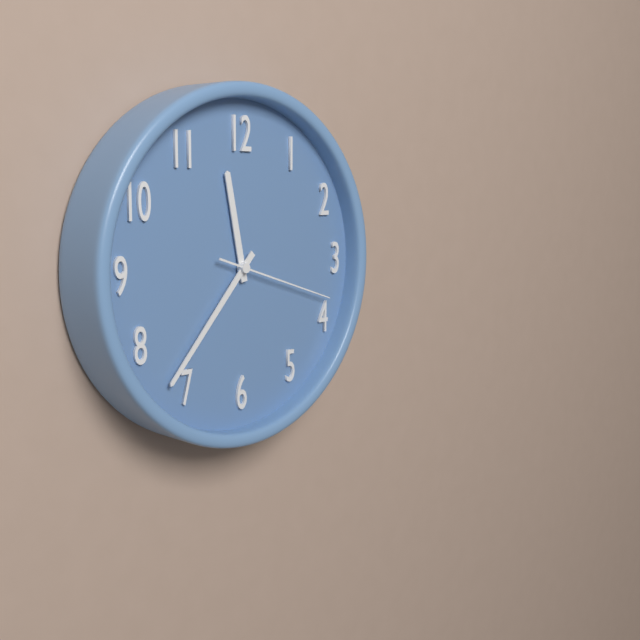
**11:37:18**
